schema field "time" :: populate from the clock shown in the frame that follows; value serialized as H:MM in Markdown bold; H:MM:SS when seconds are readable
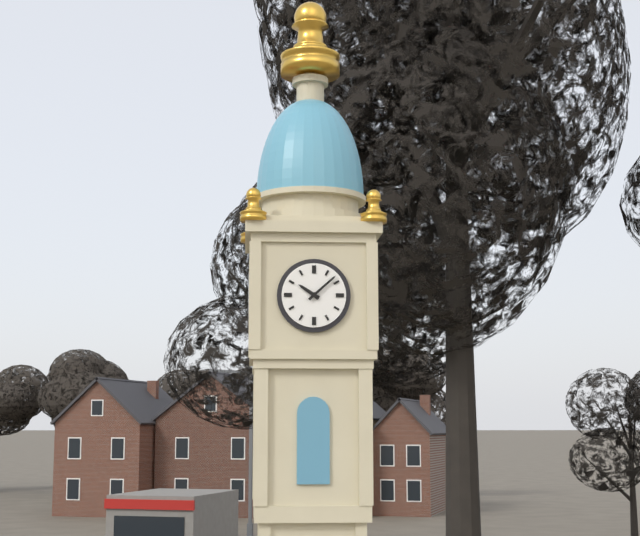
**10:08**
